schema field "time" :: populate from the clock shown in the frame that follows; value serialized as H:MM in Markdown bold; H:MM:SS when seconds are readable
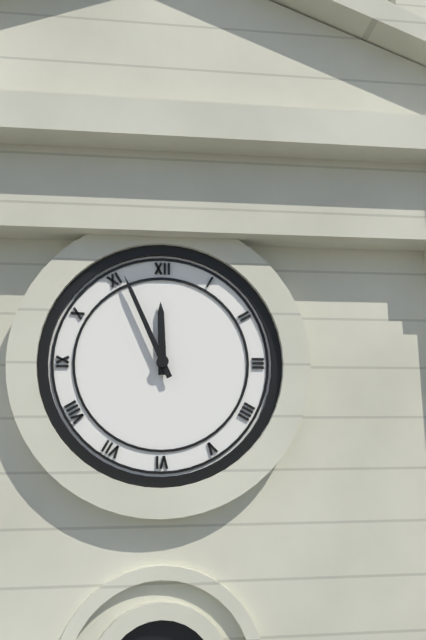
**11:56**
